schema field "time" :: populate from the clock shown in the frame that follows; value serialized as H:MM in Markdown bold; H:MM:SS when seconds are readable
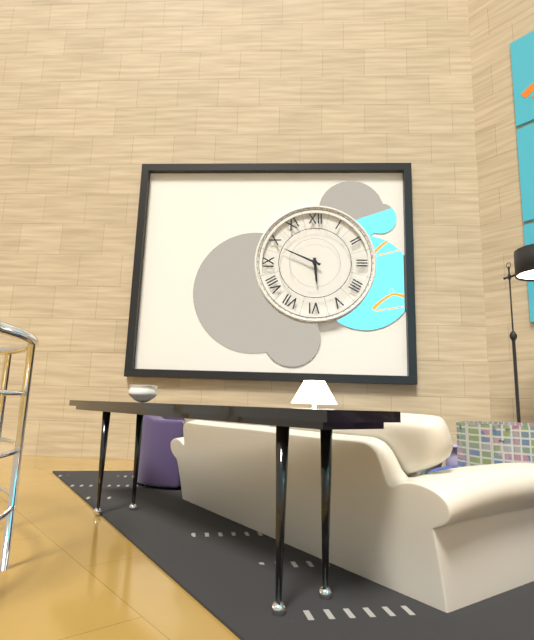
**5:49**
